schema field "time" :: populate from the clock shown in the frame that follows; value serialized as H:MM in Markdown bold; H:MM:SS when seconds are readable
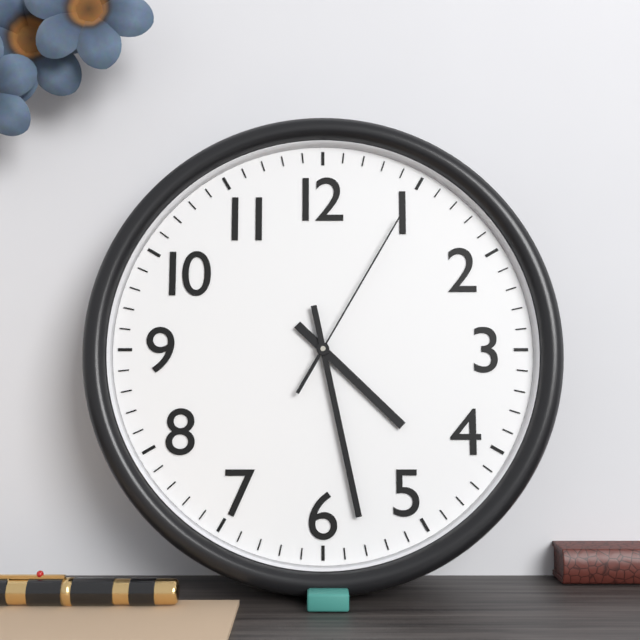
**4:28:05**
